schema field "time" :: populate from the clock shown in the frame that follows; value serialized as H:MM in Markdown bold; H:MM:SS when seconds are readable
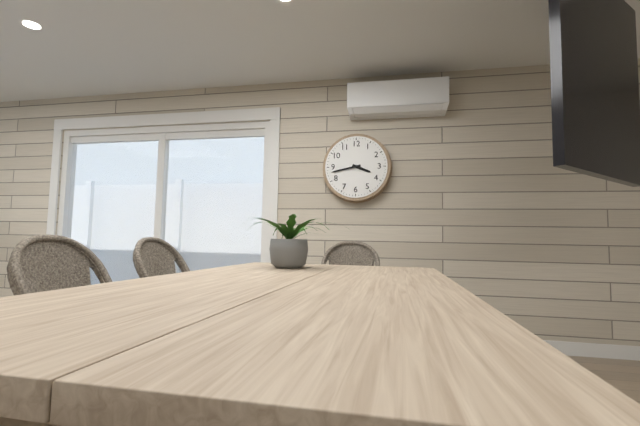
**3:43**
